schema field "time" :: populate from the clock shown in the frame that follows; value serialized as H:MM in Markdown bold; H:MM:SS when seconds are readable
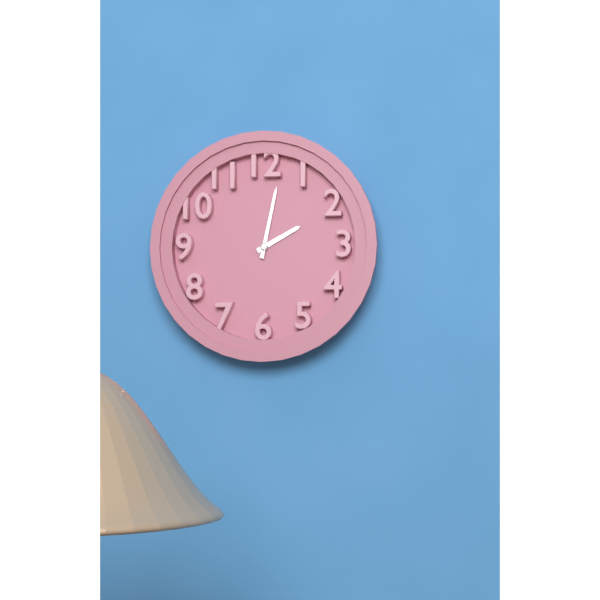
**2:02**
